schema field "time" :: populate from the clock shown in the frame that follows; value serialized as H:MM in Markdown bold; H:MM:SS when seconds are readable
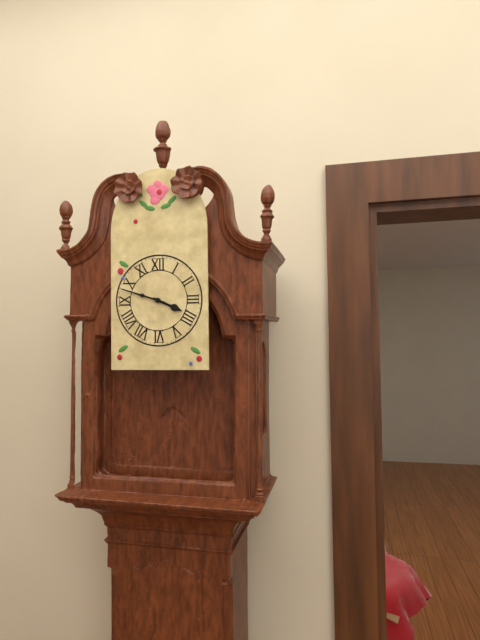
**3:48**
